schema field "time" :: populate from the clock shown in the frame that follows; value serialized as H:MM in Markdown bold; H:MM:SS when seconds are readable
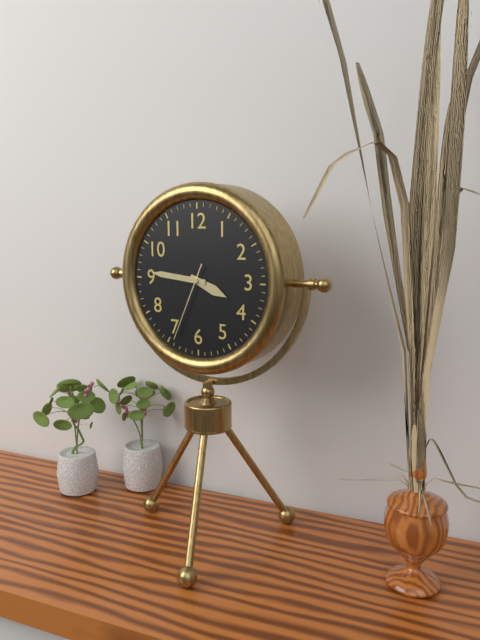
**3:46:34**
